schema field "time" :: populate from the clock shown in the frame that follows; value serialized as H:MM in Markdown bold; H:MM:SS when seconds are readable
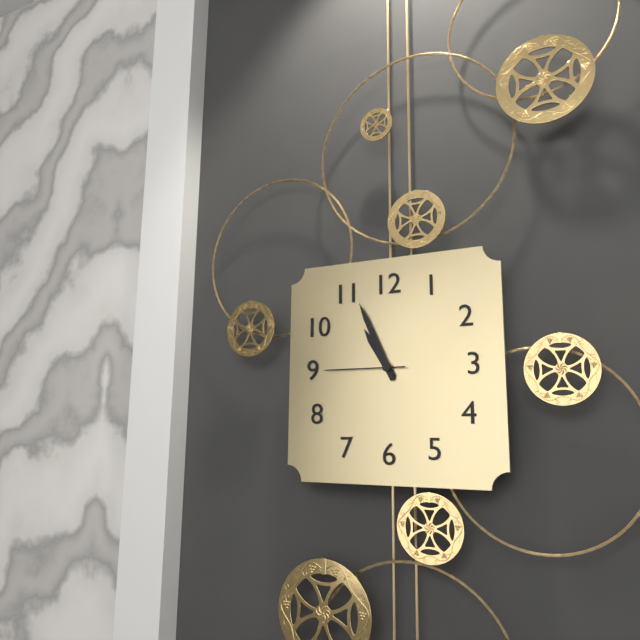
**10:56:45**
